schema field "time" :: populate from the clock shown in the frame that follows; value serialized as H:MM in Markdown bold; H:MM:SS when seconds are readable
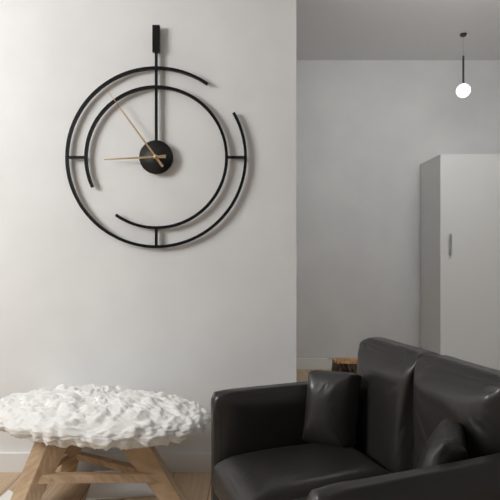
**8:54**
